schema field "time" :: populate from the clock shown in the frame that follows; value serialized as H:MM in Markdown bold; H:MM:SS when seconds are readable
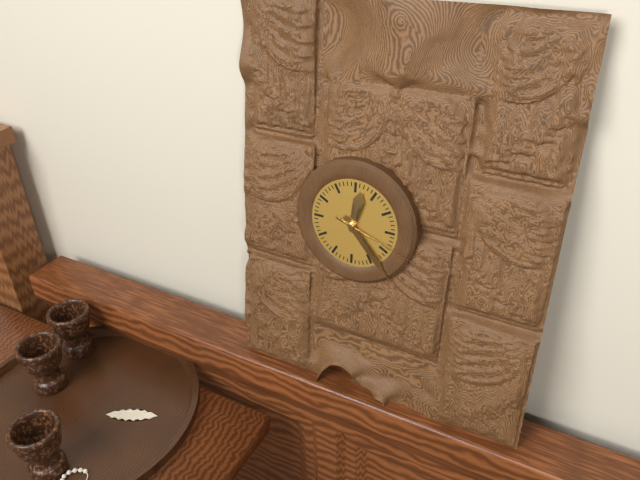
**12:23:18**
